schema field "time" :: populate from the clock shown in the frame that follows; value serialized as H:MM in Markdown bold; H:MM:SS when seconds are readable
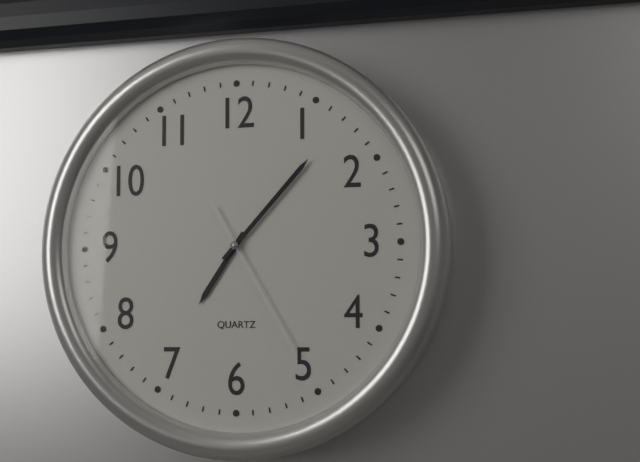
**7:07:25**
